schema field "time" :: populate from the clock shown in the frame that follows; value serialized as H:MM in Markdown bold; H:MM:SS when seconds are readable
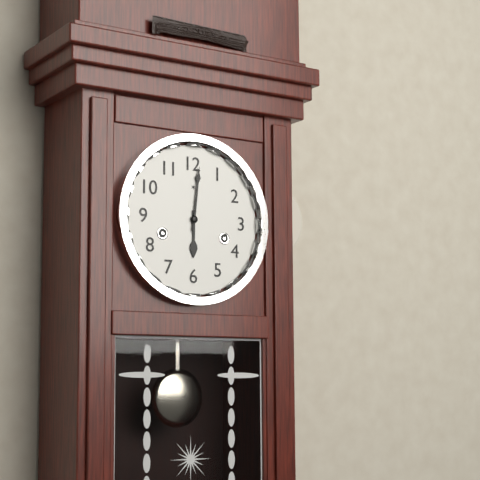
**6:01**
